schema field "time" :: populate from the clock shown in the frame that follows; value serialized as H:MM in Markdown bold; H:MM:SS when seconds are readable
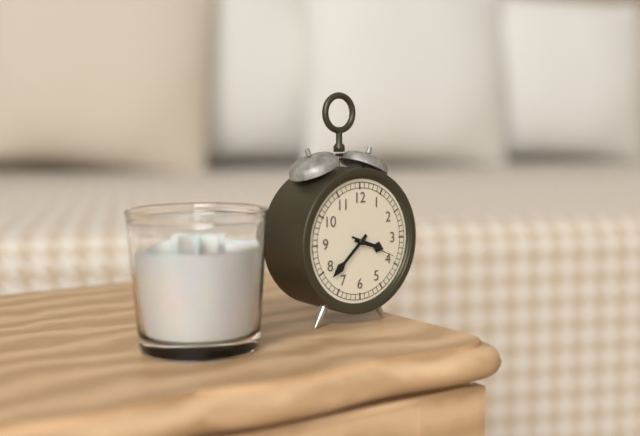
**3:38**
